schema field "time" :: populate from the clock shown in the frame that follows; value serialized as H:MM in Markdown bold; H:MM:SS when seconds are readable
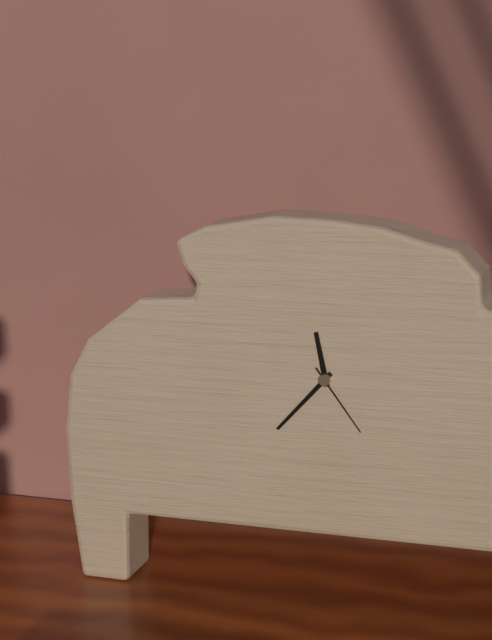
**11:37:24**
